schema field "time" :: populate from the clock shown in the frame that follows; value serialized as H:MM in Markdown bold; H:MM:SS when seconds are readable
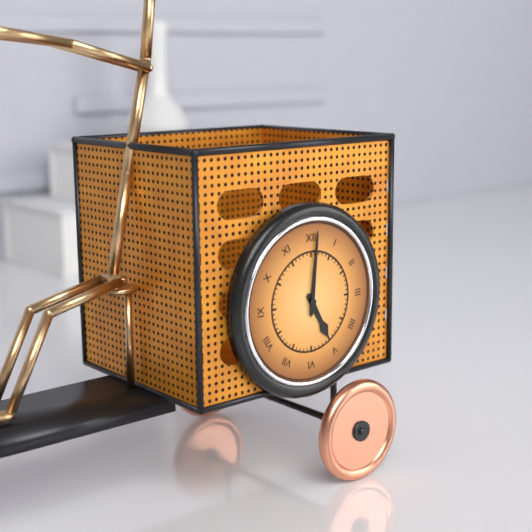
**5:01**
